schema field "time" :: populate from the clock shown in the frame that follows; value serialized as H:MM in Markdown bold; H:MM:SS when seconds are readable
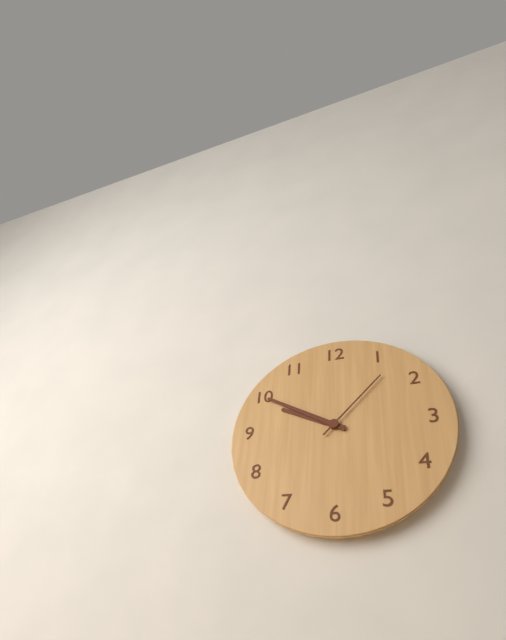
**9:50:07**
